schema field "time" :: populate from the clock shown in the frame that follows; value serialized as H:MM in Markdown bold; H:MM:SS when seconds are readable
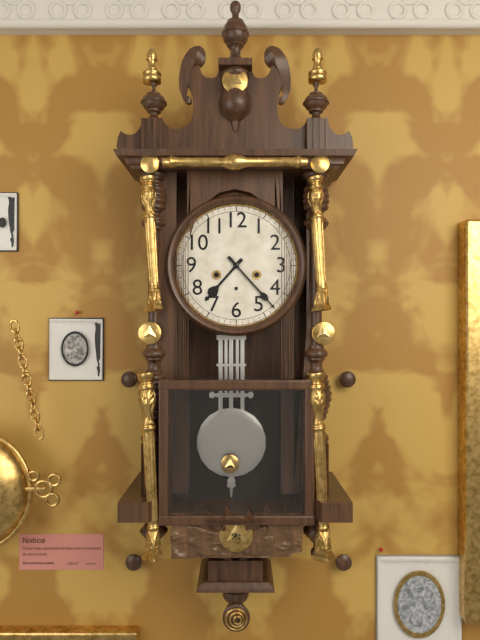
**7:23**
